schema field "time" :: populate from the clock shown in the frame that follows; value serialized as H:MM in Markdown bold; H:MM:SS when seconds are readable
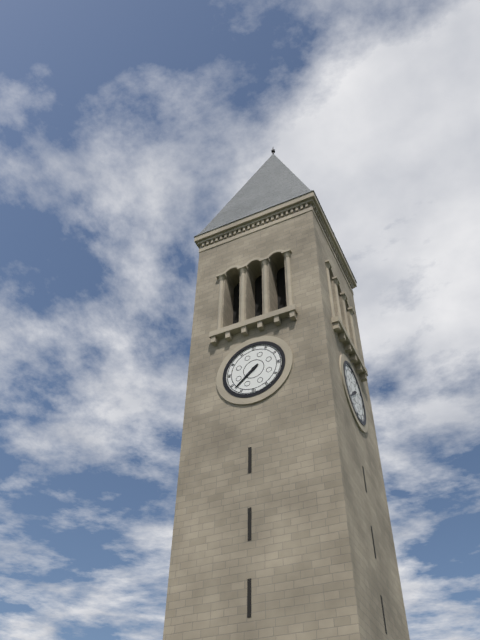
**7:38**
